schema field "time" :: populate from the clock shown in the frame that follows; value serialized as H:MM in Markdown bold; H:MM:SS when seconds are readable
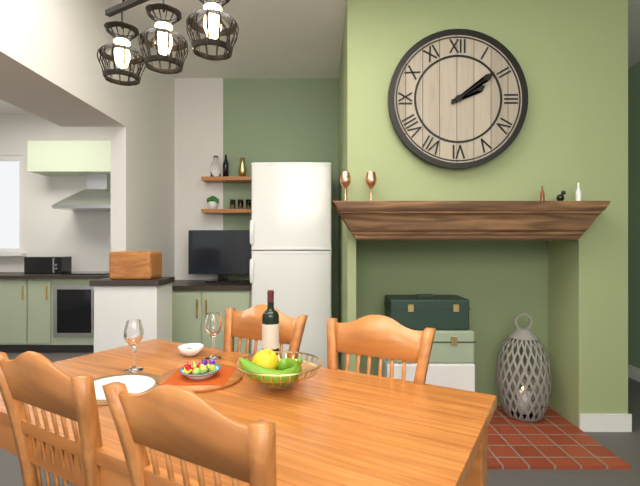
**2:09**
